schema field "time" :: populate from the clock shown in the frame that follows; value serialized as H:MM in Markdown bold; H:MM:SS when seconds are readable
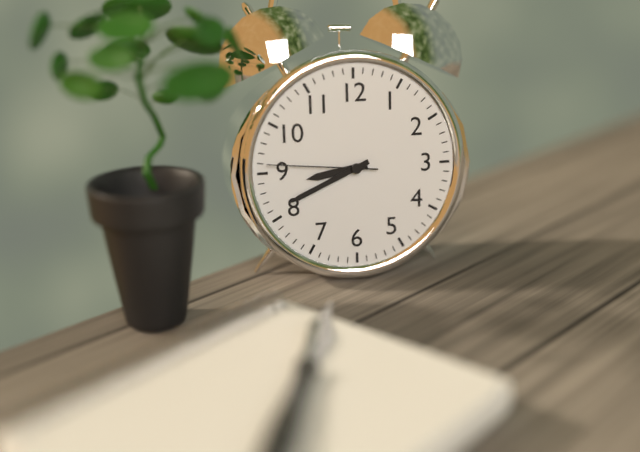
**8:41:46**
